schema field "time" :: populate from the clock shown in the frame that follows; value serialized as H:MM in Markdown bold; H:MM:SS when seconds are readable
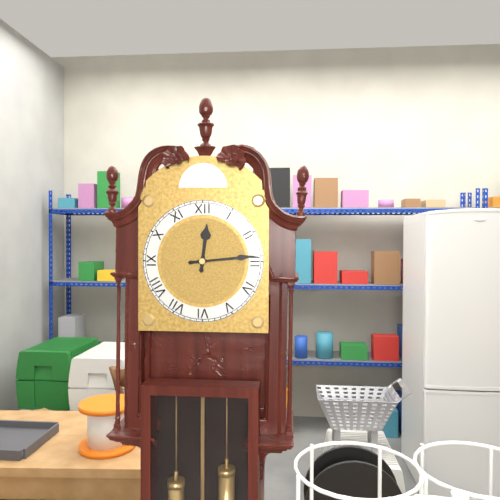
**12:14**
